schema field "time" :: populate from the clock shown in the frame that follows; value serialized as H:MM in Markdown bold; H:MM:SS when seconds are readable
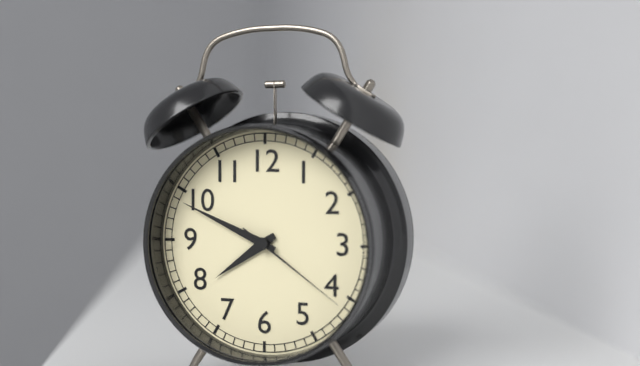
**7:49:21**
